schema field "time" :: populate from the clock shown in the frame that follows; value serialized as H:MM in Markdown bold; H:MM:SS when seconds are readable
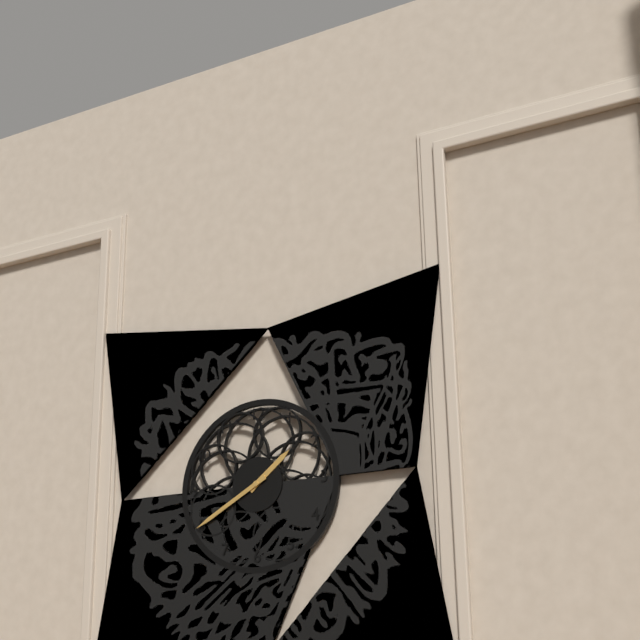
**1:40**
